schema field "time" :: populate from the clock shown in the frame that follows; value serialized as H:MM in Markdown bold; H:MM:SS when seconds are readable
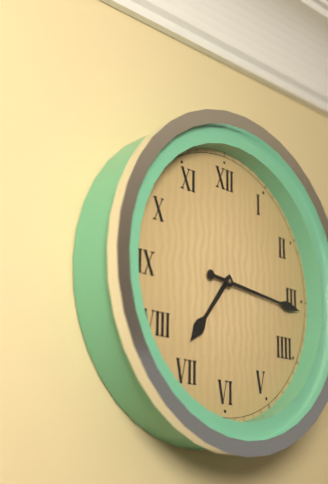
**7:16**
